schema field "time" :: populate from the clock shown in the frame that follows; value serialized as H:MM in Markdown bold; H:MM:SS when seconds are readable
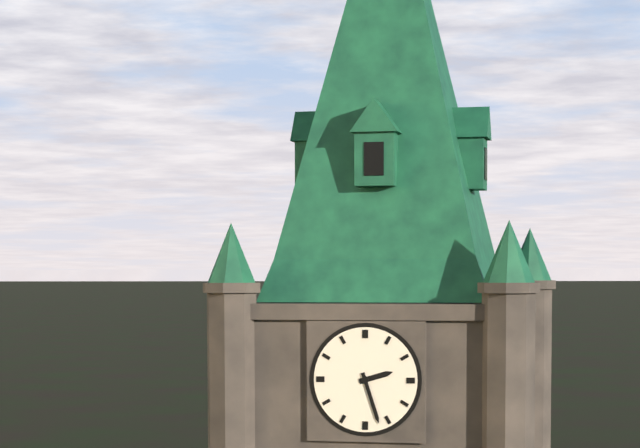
**2:27**
